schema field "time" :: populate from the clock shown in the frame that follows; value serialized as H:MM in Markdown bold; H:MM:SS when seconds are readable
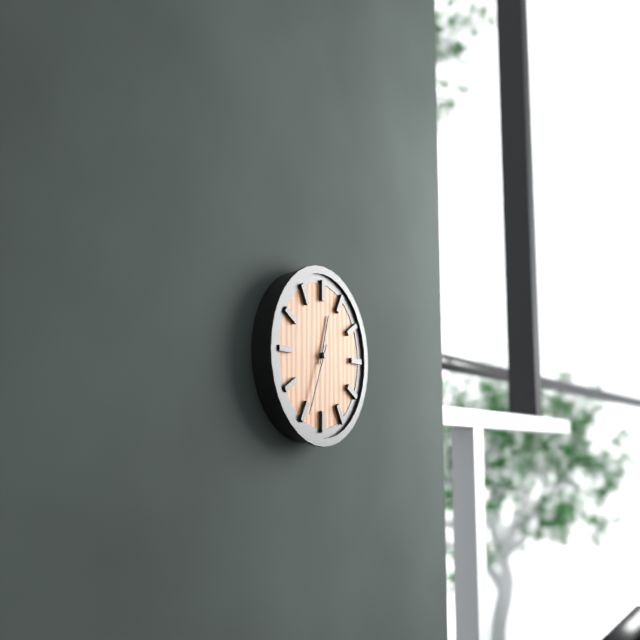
**12:34**
